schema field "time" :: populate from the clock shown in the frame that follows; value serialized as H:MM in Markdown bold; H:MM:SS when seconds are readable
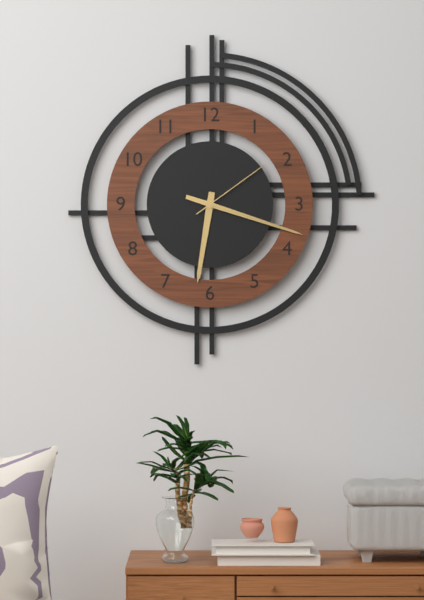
**6:18:09**
